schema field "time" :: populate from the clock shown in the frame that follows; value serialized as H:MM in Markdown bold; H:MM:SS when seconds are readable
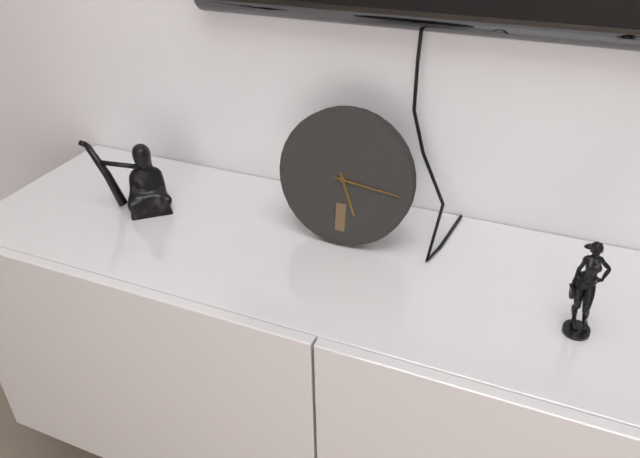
**5:16**
